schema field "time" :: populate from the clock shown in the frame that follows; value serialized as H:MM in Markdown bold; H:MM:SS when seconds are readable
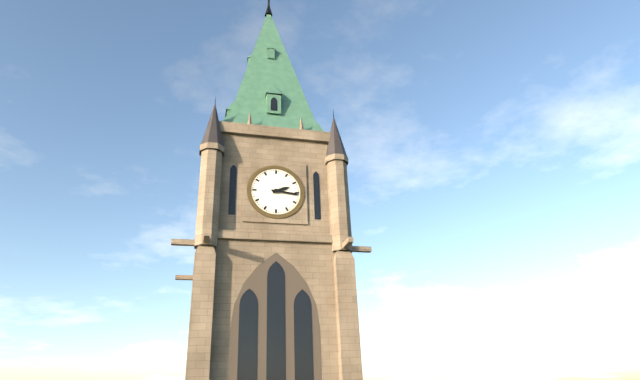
**2:16**
